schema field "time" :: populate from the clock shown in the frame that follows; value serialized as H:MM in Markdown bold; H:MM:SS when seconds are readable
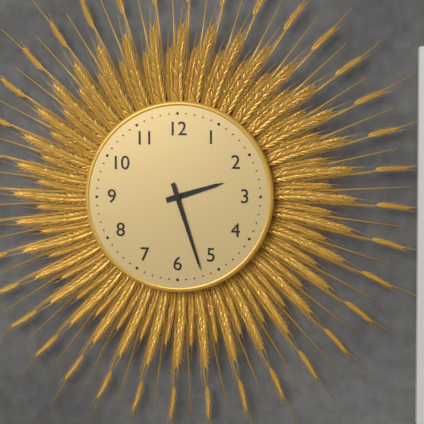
**2:27**
